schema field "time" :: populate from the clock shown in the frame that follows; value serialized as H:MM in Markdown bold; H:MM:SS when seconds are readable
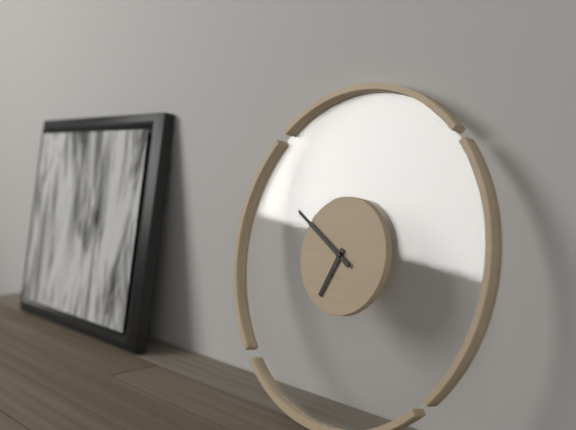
**6:50**
